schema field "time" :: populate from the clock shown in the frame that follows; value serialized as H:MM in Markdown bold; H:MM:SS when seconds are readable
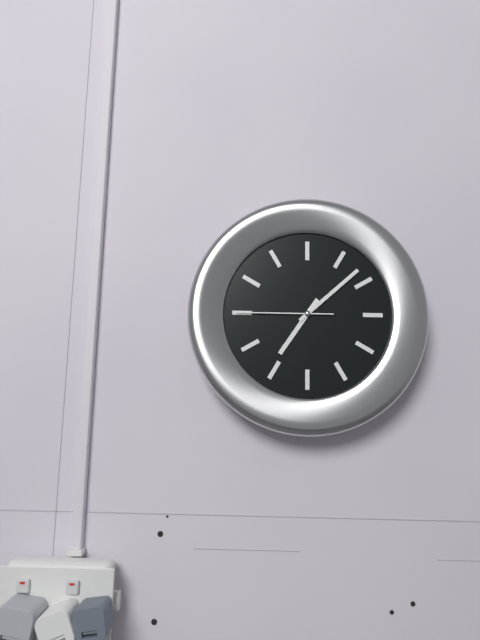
**7:08:45**
